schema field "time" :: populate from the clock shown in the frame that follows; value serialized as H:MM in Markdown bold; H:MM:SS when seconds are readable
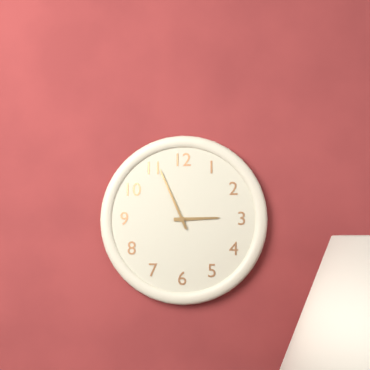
**2:56**
